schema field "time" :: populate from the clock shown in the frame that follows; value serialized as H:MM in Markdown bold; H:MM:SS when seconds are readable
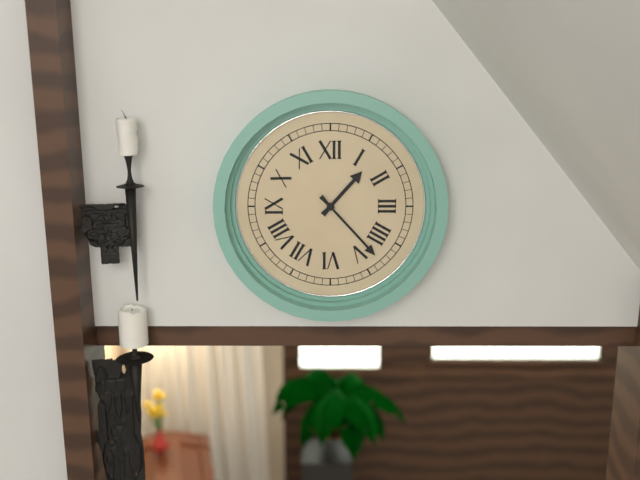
**1:23**
